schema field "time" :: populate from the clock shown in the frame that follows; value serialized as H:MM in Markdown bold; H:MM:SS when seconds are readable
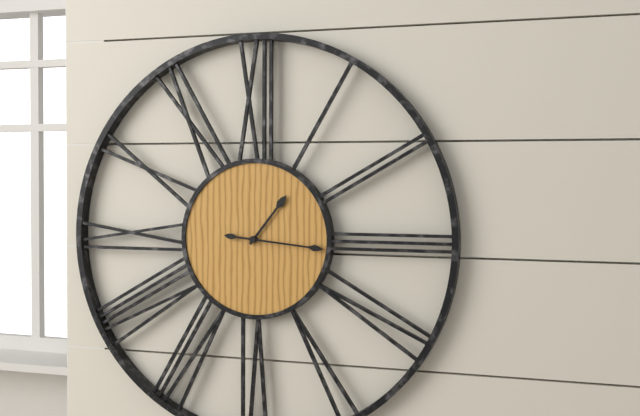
**1:16**
